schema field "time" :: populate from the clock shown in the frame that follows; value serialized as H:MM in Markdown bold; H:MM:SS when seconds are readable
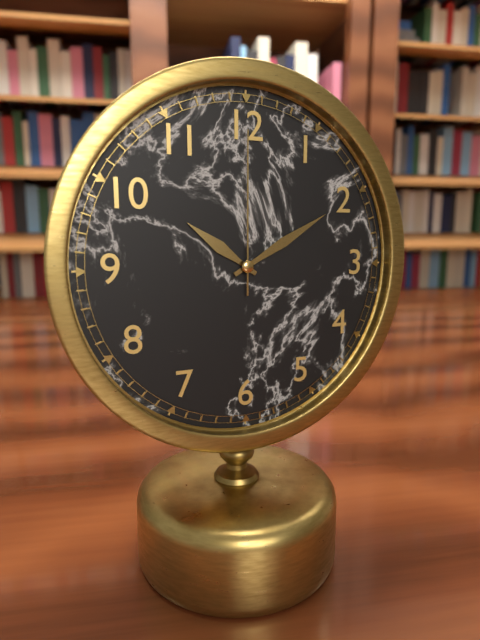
**10:10:00**
